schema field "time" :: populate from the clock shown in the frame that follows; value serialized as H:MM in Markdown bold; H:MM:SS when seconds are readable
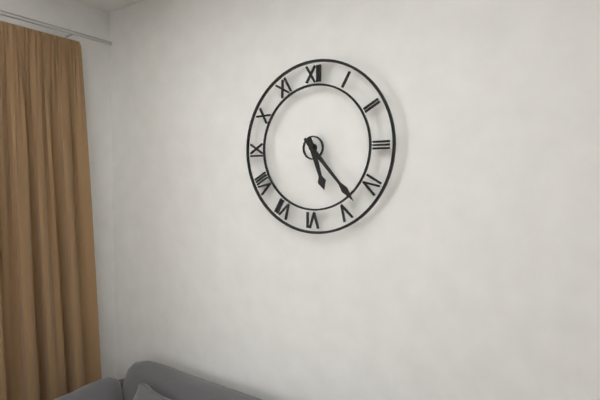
**5:23**
